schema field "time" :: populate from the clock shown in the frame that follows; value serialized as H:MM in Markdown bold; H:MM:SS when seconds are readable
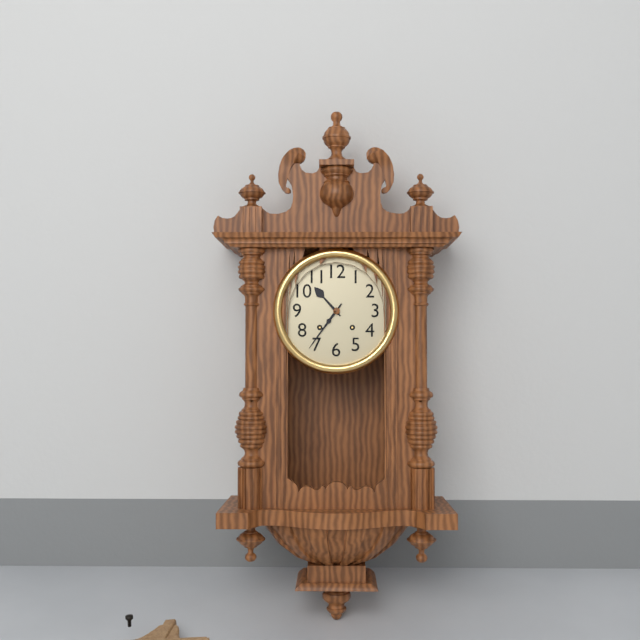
**10:36**
